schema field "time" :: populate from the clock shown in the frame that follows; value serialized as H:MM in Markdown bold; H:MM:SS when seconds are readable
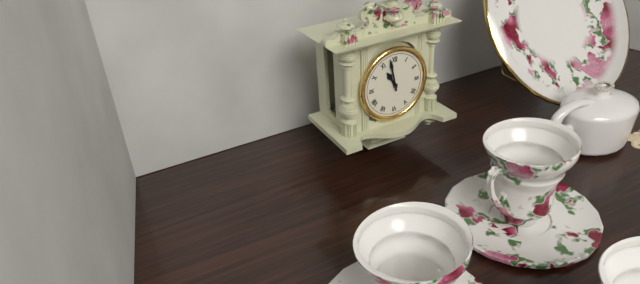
**10:58**
